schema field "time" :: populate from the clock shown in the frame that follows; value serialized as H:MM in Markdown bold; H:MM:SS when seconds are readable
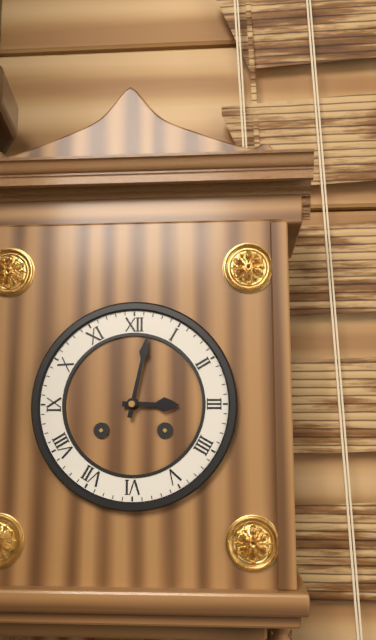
**3:02**
